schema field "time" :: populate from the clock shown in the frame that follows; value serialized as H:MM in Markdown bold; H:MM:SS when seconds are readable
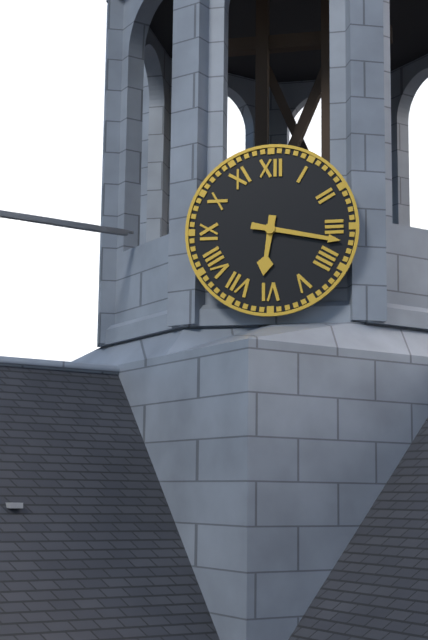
**6:17**
